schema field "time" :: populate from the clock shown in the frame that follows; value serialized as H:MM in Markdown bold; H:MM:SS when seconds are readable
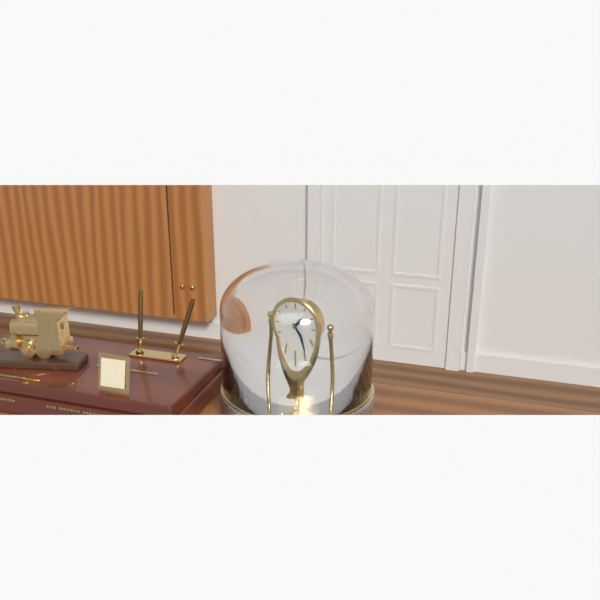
**1:24**
